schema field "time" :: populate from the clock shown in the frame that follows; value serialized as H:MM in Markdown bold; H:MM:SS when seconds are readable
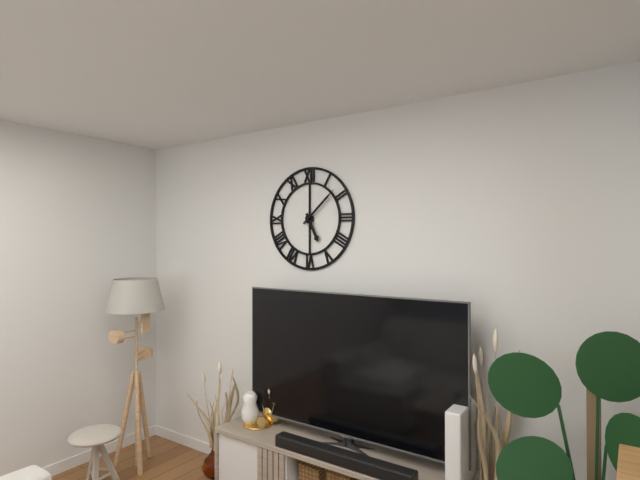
**5:08**
